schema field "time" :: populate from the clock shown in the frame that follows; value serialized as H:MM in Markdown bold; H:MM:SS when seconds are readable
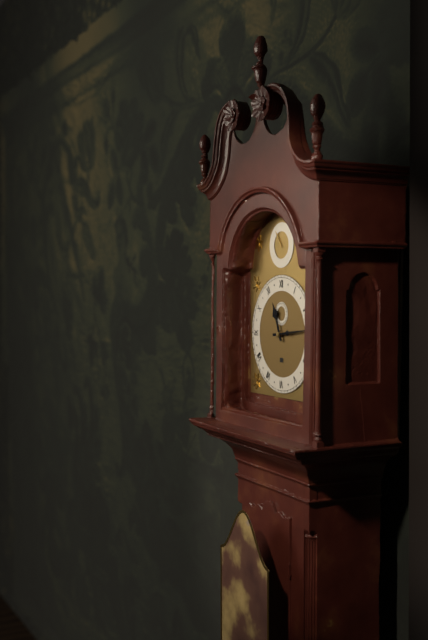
**11:14**
